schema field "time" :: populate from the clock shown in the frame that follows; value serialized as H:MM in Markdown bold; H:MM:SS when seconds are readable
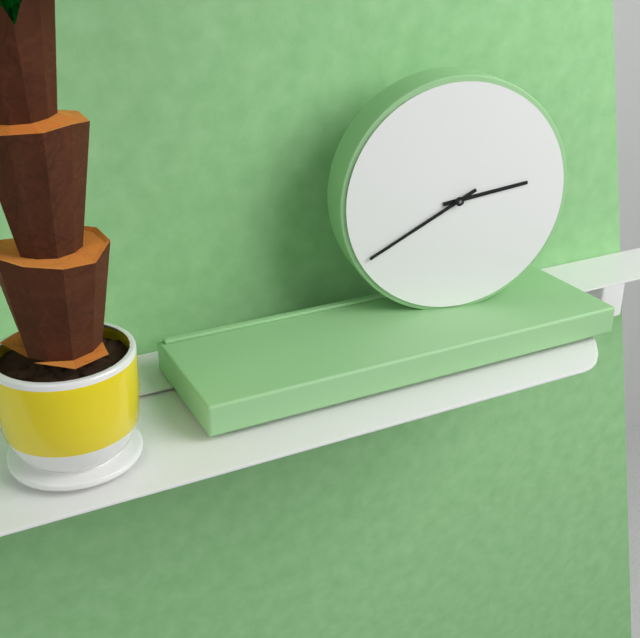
**2:40**
